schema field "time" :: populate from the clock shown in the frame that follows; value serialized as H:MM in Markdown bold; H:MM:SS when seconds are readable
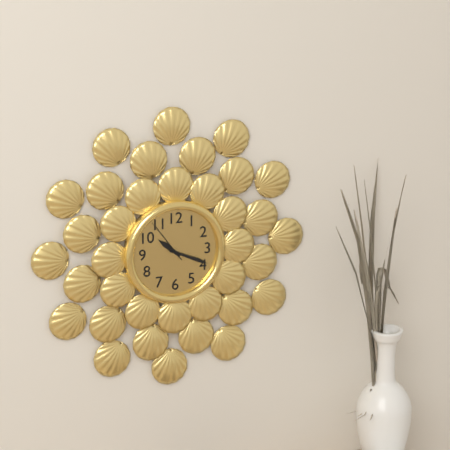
**10:19**
